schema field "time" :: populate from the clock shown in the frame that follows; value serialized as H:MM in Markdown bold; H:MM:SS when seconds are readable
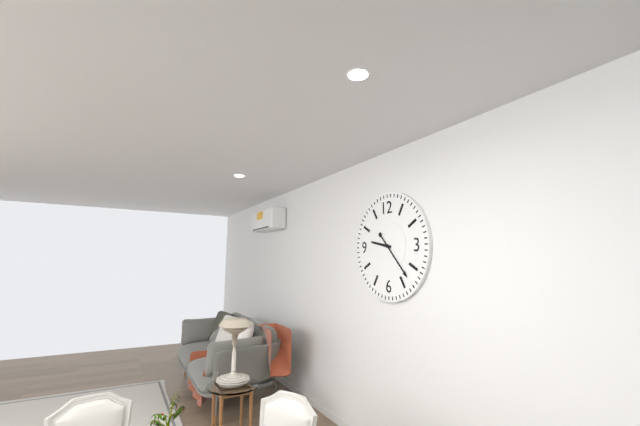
**9:23**
